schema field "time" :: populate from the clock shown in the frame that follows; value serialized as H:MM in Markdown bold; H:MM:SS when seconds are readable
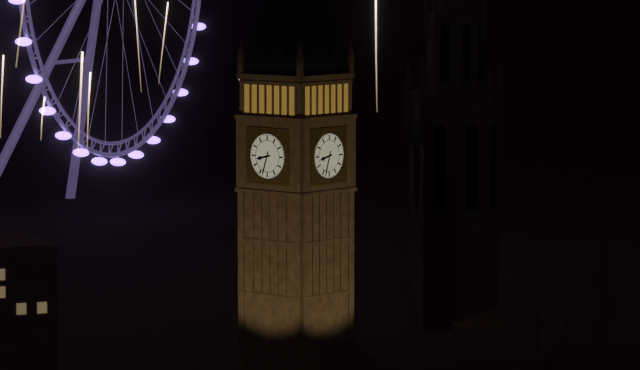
**8:33**
